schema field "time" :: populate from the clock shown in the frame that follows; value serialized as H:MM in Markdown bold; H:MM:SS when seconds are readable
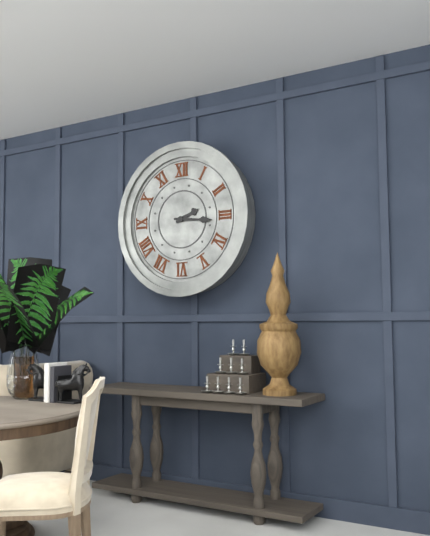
**2:16**
